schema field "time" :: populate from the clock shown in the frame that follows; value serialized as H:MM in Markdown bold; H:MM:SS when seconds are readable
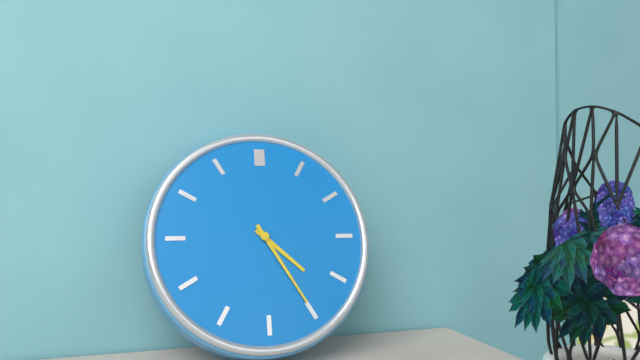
**4:25**
